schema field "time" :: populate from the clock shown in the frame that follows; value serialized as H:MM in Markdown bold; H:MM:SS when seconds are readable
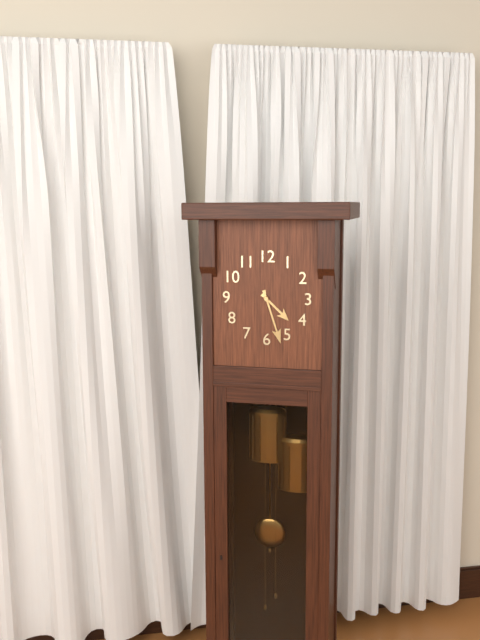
**4:27**
